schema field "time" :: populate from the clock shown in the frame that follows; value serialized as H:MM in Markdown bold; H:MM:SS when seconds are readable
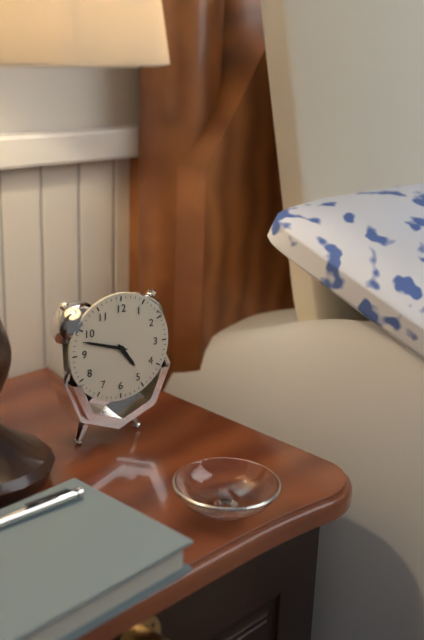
**4:48**
